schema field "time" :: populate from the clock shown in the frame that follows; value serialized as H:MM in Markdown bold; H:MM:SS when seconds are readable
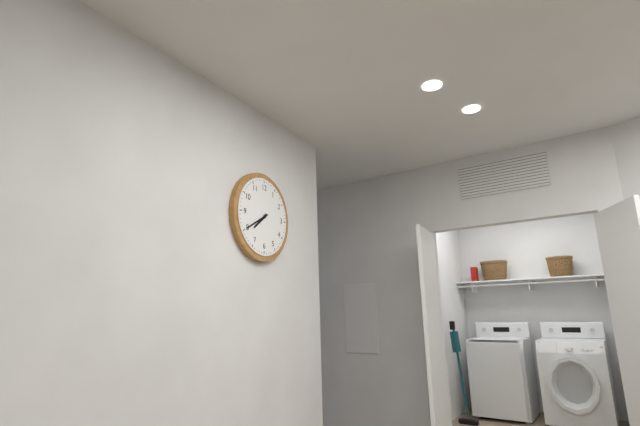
**7:40**
